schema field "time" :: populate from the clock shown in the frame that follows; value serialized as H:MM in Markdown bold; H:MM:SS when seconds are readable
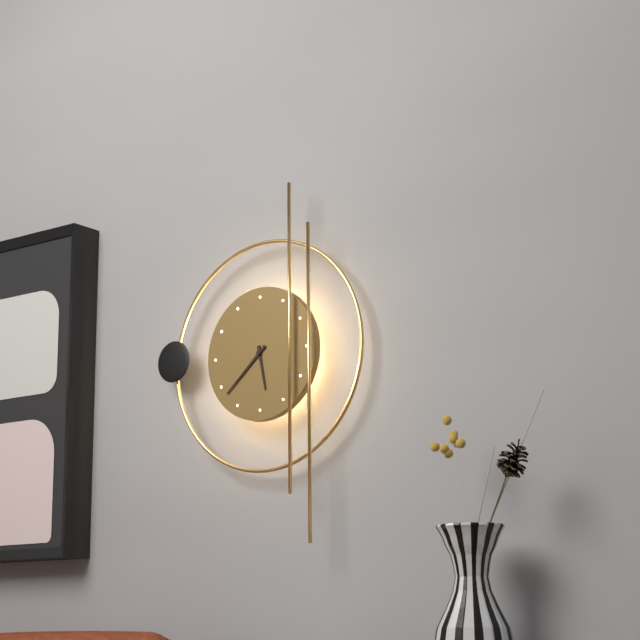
**5:38**
